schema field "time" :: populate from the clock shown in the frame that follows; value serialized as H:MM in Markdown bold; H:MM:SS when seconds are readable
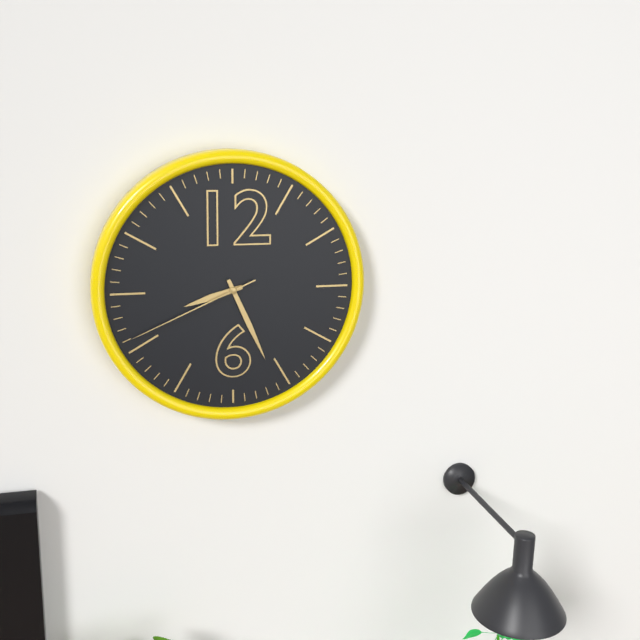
**8:26:41**
